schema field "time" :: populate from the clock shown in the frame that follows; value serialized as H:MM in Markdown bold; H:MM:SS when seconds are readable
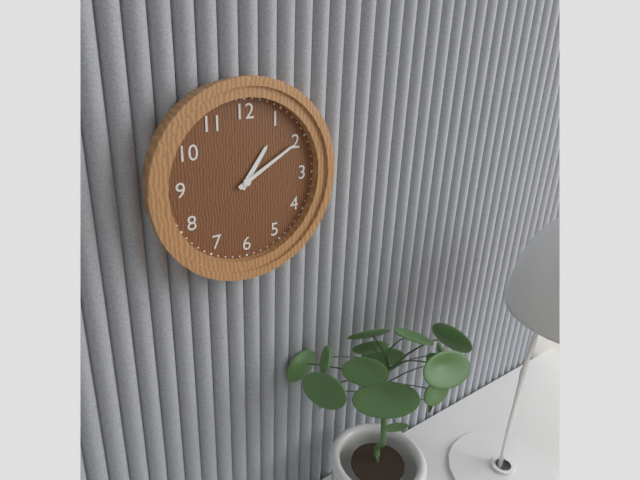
**1:10**
